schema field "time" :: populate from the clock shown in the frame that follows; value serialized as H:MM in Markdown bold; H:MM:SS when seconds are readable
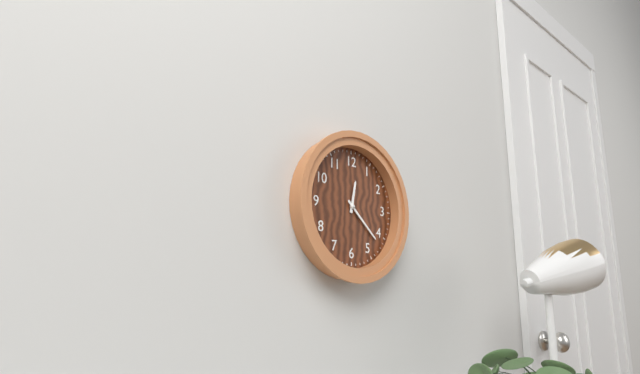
**12:22**
